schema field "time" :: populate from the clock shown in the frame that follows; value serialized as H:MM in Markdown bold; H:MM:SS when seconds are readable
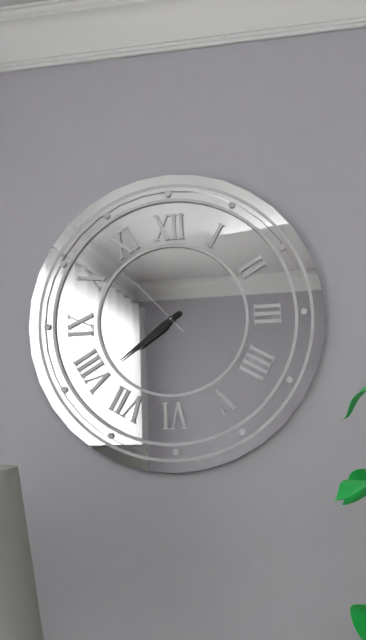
**7:39:53**
